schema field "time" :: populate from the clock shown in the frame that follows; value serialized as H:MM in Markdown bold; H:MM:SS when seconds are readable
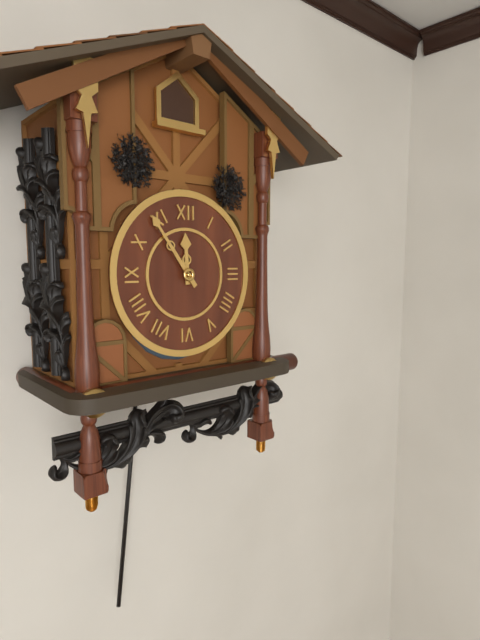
**11:54**
